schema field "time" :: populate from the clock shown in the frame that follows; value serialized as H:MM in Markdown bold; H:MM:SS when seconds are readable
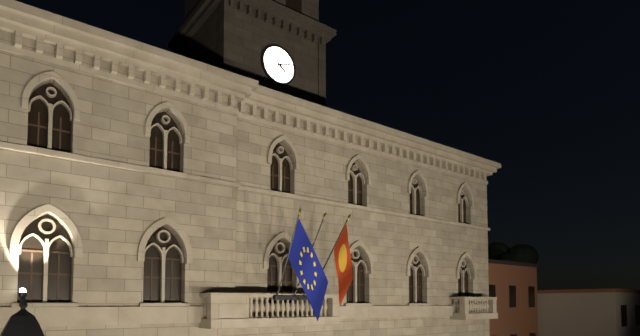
**4:12**
